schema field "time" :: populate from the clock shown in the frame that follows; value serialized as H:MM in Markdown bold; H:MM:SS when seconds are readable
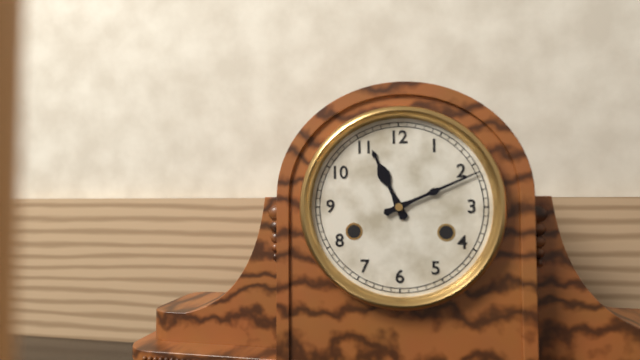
**11:11**
